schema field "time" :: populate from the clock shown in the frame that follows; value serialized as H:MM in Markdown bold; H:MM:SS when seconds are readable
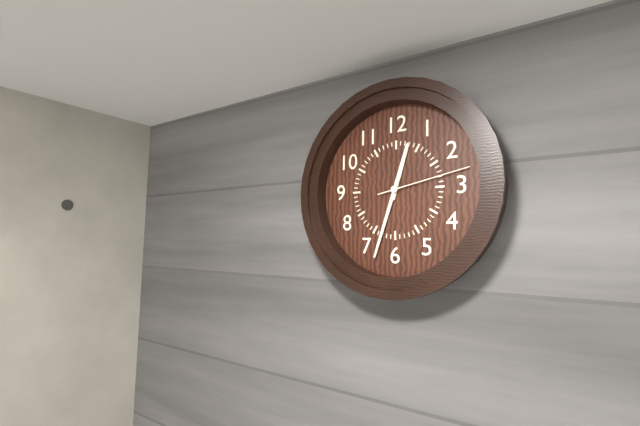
**12:33:13**
